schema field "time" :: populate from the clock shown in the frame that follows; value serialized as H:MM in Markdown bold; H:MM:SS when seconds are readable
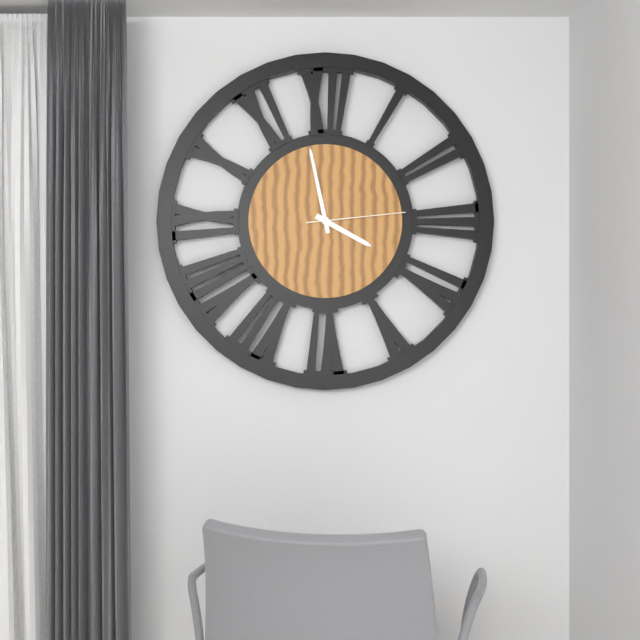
**3:58:14**
